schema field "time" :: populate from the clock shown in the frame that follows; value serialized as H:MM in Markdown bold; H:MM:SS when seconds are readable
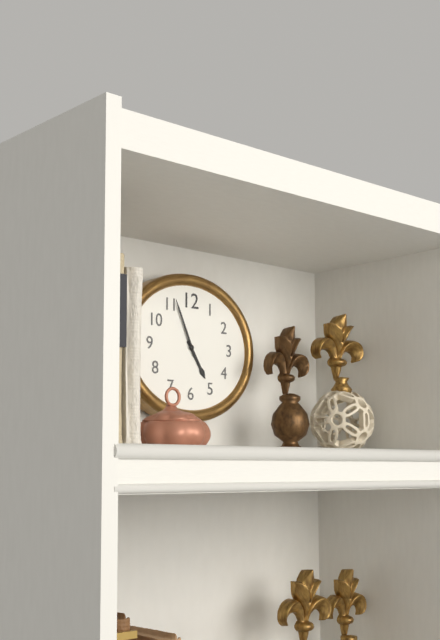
**4:56**
